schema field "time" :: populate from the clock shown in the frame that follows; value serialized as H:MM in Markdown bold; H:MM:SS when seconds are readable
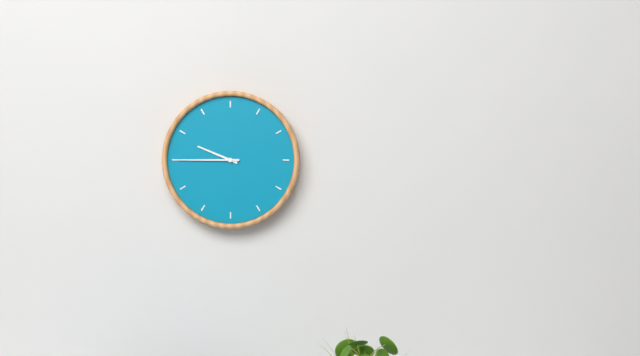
**9:45**
